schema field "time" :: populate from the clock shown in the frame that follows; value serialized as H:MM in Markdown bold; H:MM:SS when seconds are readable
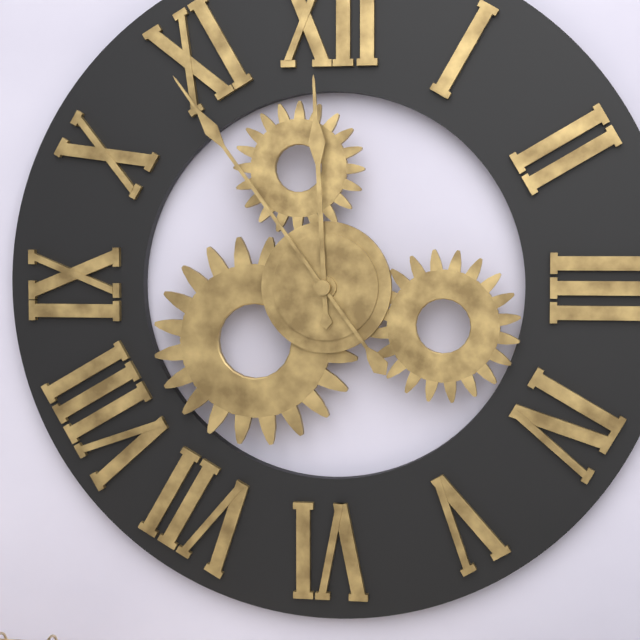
**11:54**
